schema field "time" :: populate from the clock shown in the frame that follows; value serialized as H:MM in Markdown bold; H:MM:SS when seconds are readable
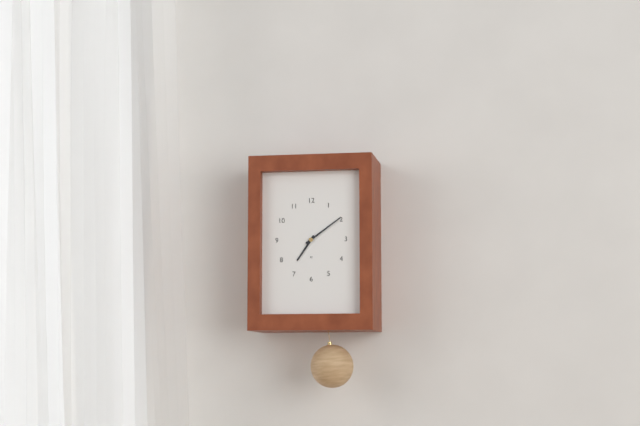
**7:09**
